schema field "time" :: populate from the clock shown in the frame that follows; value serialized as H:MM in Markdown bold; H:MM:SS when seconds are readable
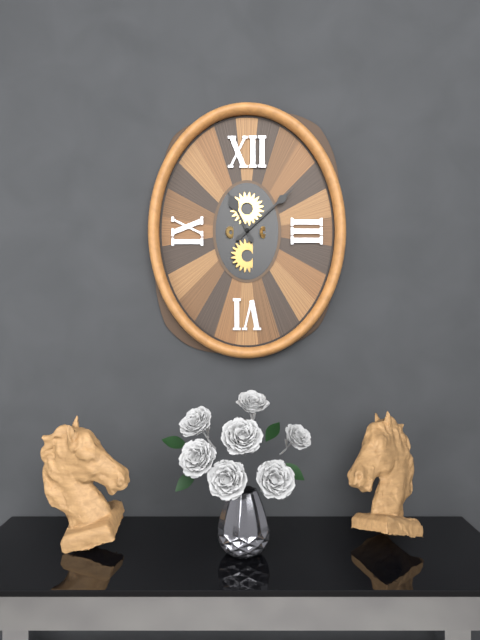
**11:08**
